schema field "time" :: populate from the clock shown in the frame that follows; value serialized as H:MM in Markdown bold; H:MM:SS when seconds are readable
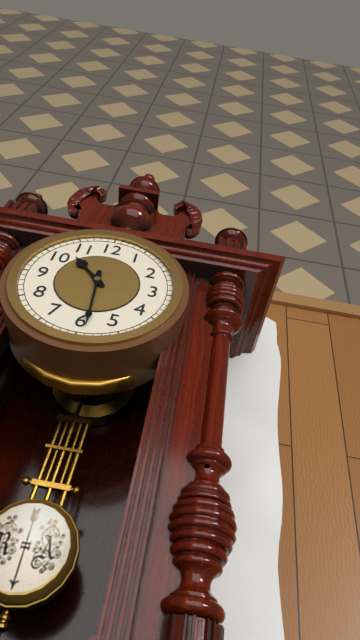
**10:29**
